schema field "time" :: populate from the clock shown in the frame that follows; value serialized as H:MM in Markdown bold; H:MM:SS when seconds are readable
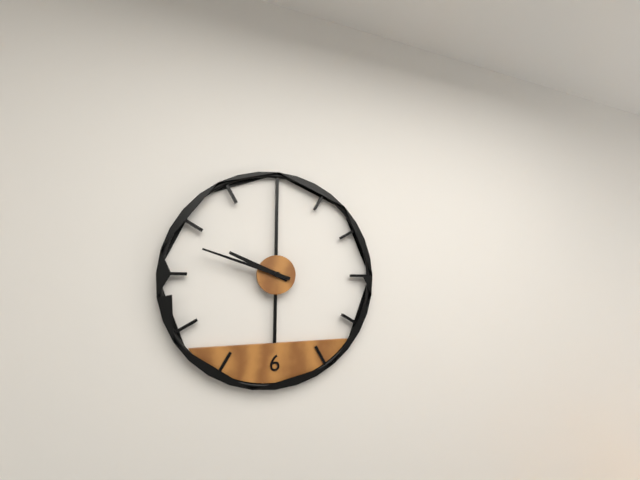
**9:48**
